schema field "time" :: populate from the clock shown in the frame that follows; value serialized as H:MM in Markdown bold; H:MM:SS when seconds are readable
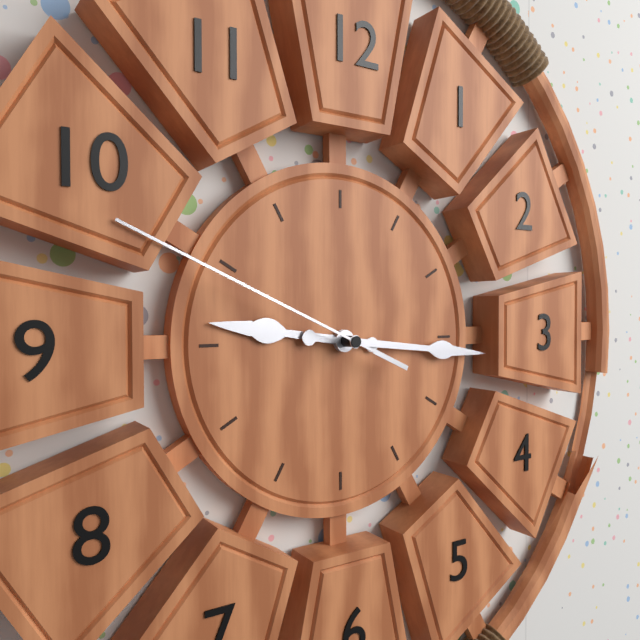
**9:16:49**
